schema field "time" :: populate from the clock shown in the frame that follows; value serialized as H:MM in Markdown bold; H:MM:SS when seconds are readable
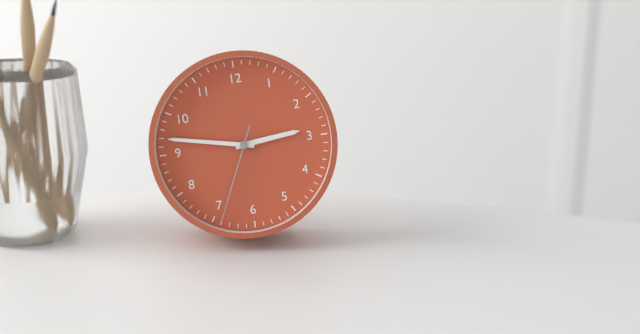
**2:47:34**
